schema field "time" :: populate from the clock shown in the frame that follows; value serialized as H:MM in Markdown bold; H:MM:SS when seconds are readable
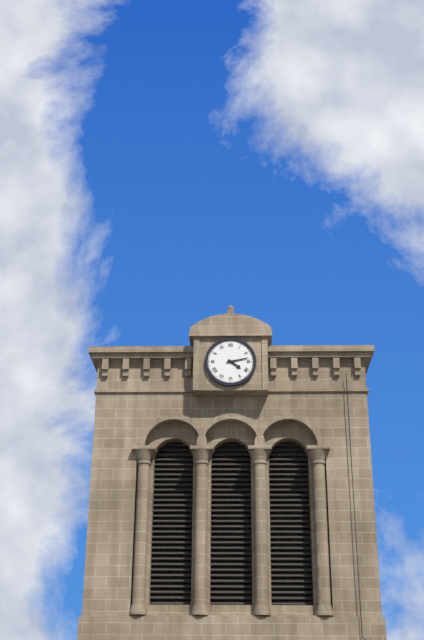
**4:13**
